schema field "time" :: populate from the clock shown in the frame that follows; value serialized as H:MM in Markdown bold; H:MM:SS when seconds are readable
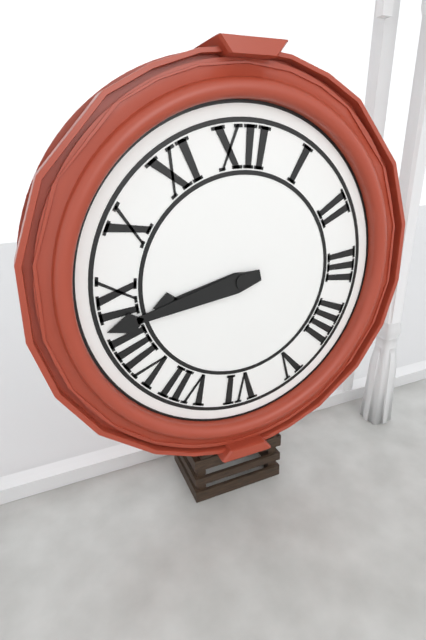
**8:43**
